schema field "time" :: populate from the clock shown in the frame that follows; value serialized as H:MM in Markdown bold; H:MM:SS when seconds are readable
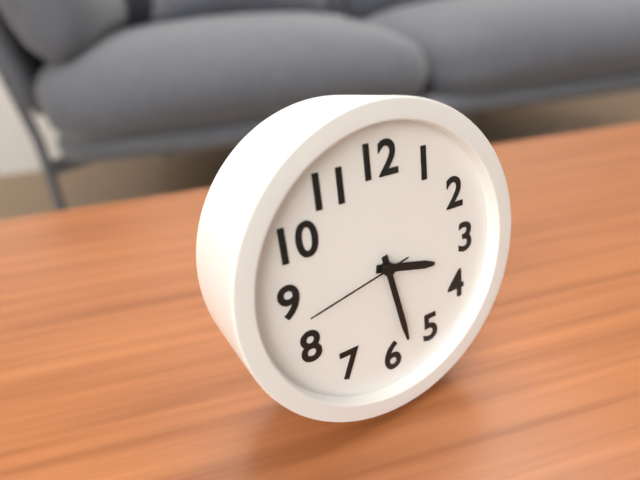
**3:28:43**
